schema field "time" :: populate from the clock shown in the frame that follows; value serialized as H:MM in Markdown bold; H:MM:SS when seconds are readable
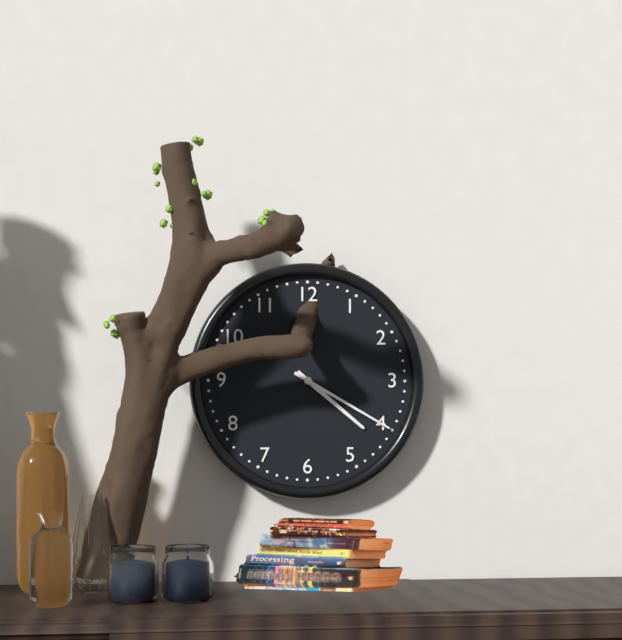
**4:20**
